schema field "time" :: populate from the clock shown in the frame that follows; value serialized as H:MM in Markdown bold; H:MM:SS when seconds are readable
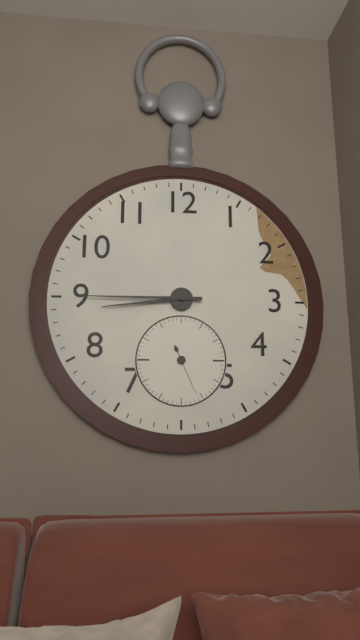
**8:45**
